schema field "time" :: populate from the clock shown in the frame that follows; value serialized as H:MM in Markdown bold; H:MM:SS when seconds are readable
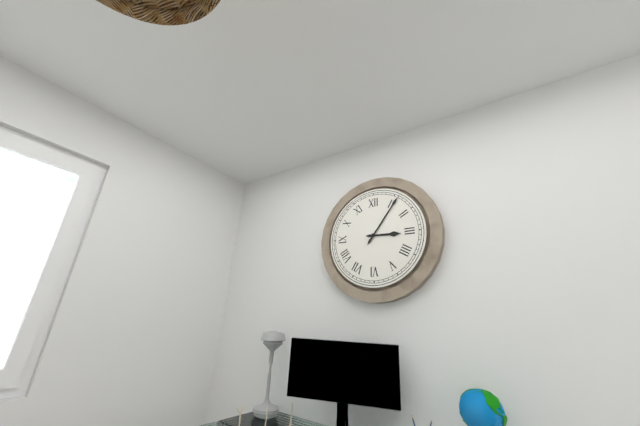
**3:06**
